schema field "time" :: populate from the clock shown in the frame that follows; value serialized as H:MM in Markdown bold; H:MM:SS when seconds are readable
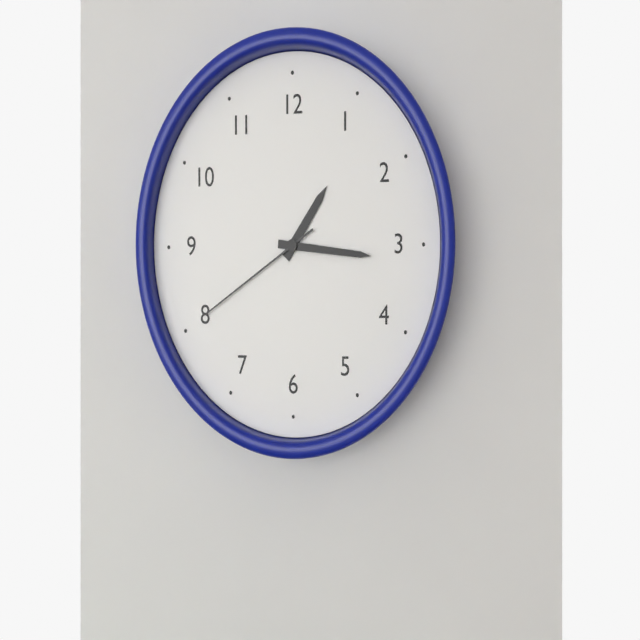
**1:16:40**
